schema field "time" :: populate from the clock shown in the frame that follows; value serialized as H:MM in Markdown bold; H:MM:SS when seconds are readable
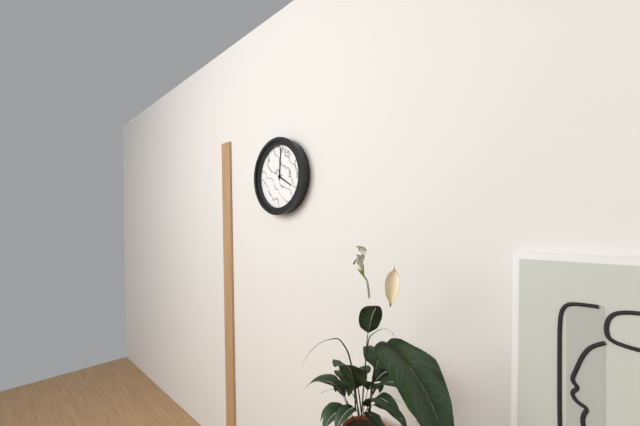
**4:01**
